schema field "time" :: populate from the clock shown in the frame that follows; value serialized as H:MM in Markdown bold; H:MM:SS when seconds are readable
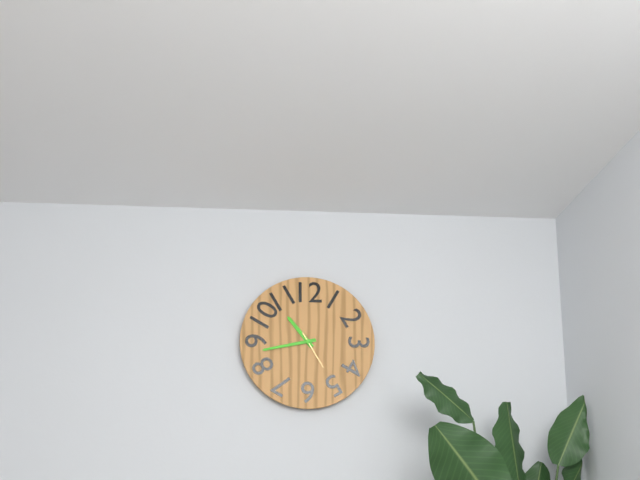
**10:43**
